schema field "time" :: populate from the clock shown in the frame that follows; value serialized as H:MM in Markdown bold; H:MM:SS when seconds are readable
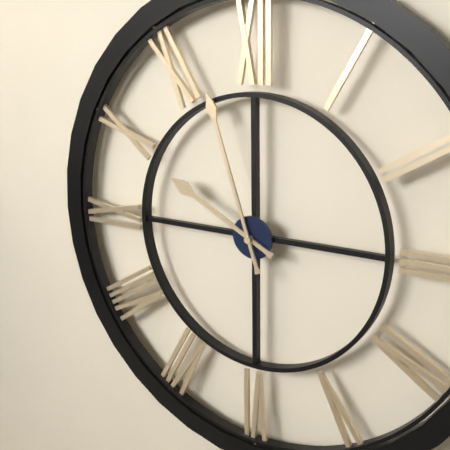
**9:57**
